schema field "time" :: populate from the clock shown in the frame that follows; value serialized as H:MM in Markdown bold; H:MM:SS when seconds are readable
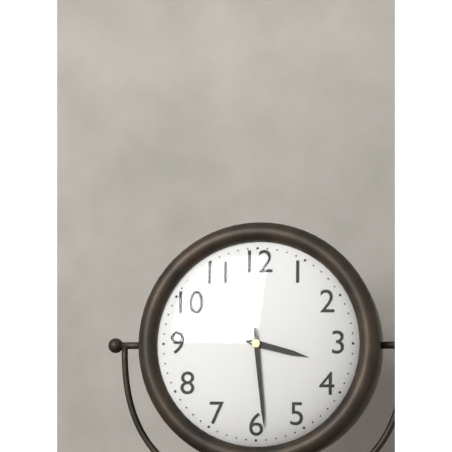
**3:29**
